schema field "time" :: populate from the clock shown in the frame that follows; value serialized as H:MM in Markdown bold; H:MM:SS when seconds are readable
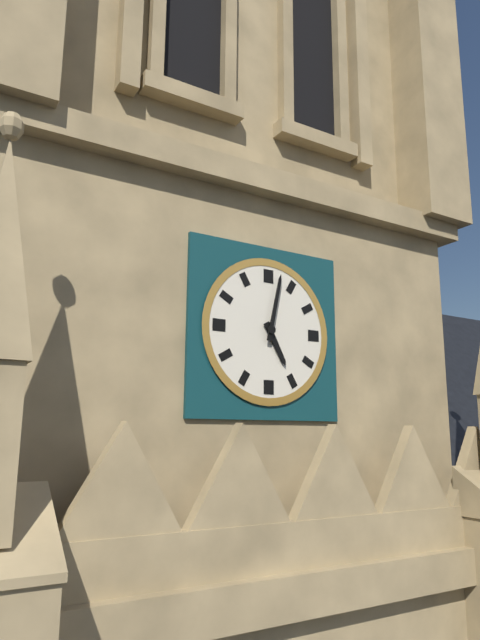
**5:02**
